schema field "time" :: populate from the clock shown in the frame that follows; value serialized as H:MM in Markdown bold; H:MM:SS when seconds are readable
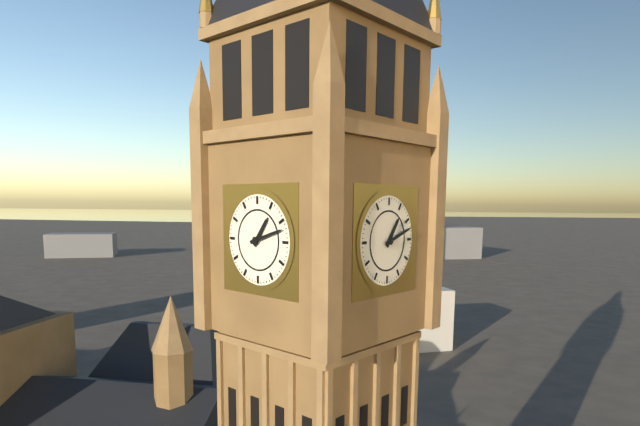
**1:12**
